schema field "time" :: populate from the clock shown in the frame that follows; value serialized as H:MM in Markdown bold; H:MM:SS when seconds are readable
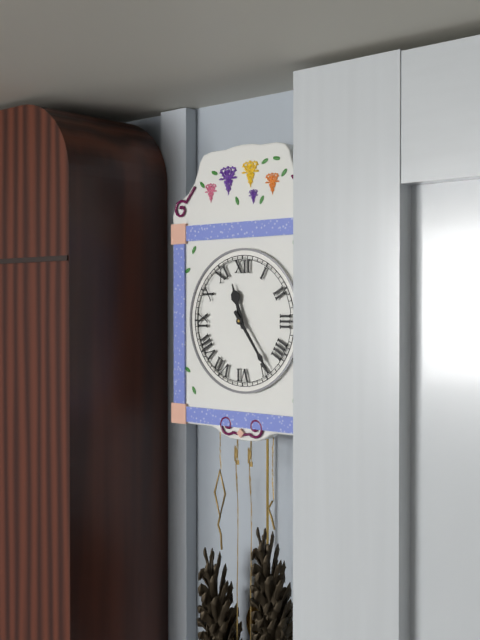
**11:24**
